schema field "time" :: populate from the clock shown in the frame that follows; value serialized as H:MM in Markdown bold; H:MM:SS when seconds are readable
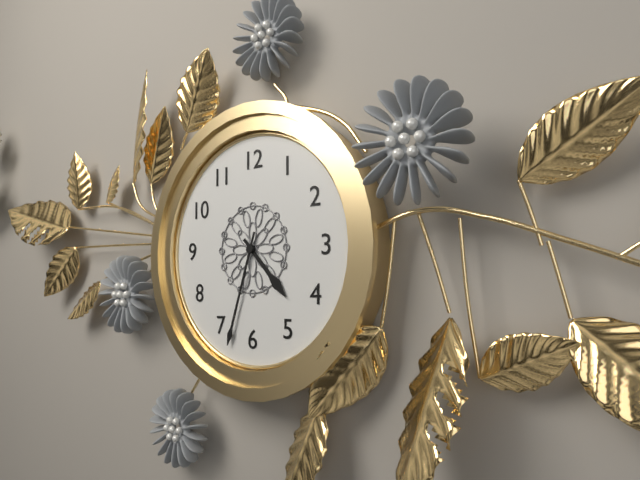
**4:33**
